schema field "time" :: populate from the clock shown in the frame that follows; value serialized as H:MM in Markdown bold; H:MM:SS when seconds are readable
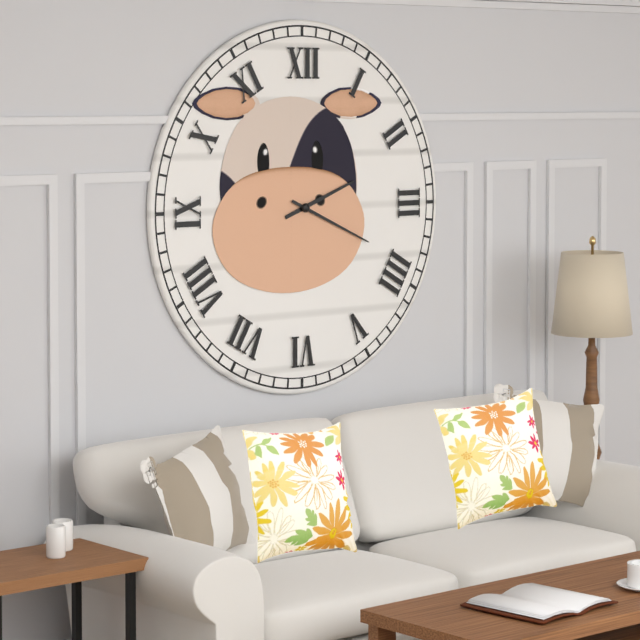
**2:19**
